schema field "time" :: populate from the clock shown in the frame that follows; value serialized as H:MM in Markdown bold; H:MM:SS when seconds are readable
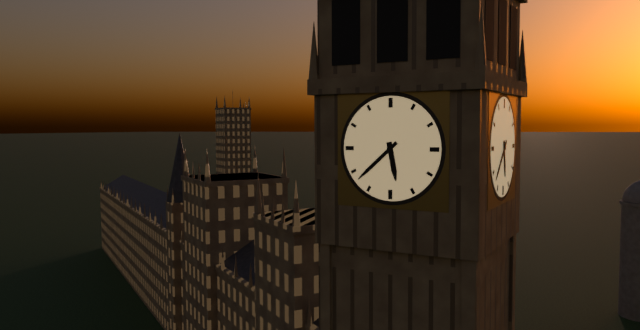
**5:38**
